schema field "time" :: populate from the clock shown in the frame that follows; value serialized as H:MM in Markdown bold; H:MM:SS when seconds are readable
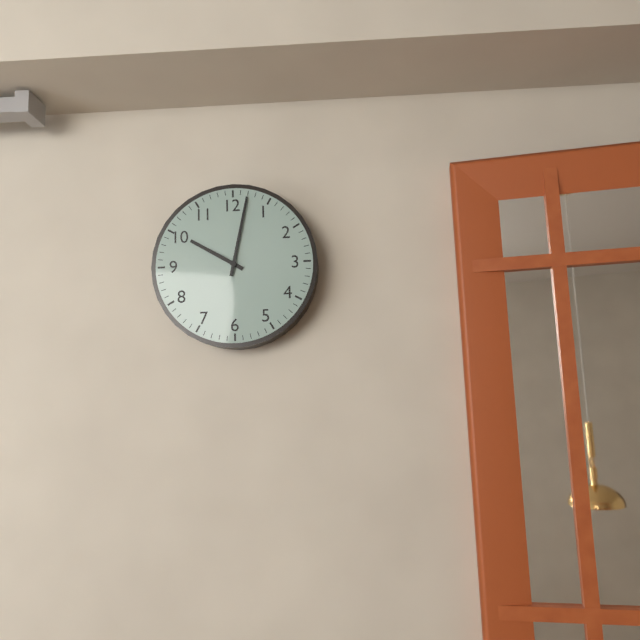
**10:02**
